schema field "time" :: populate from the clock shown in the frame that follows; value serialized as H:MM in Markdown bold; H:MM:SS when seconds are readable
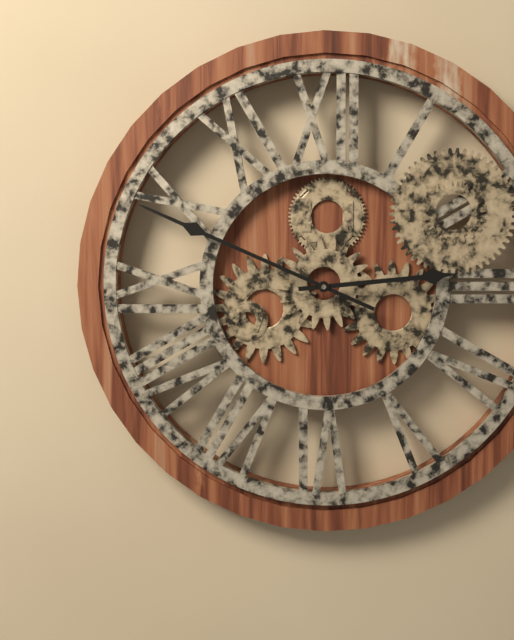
**2:49**
